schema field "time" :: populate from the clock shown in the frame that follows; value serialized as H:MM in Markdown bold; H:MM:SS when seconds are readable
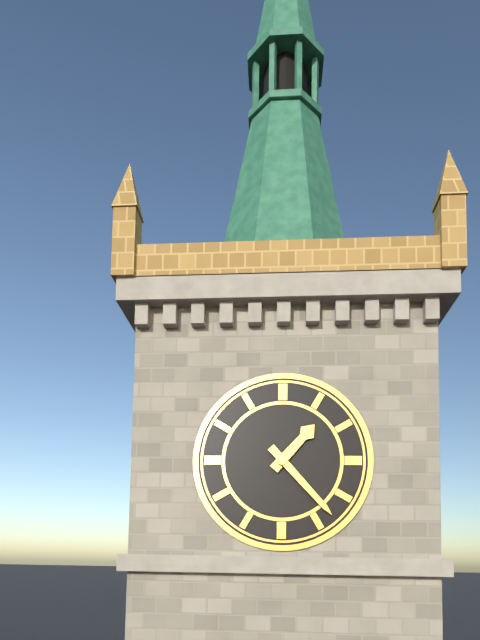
**1:23**
